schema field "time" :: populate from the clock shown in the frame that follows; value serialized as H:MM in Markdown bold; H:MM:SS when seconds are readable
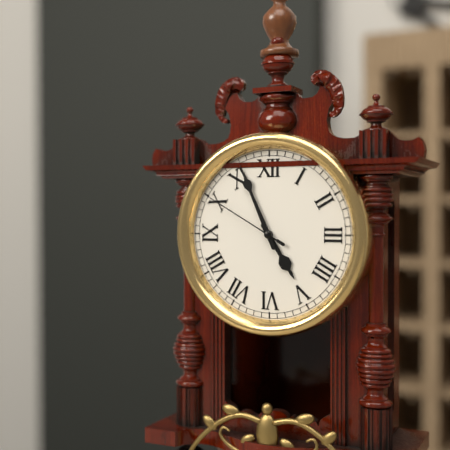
**4:56:50**
